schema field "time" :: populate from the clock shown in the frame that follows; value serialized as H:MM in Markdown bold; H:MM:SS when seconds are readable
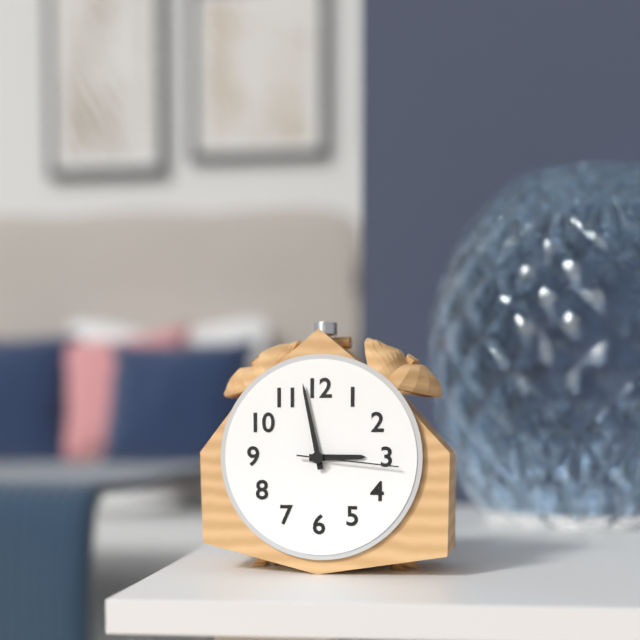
**2:58:16**
